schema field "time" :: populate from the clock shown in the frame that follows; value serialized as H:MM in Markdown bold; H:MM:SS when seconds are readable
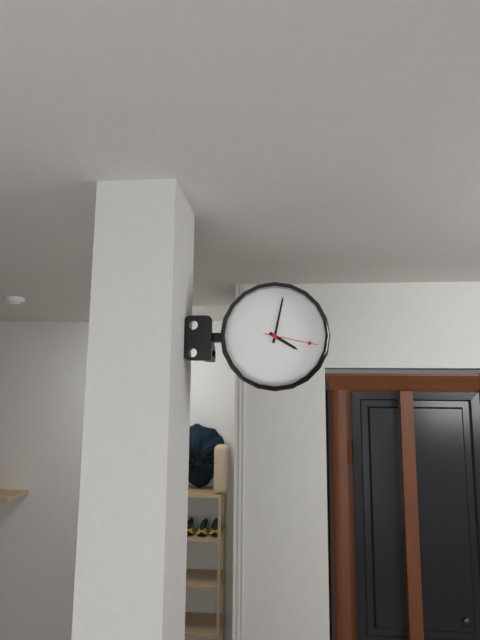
**4:02:17**
